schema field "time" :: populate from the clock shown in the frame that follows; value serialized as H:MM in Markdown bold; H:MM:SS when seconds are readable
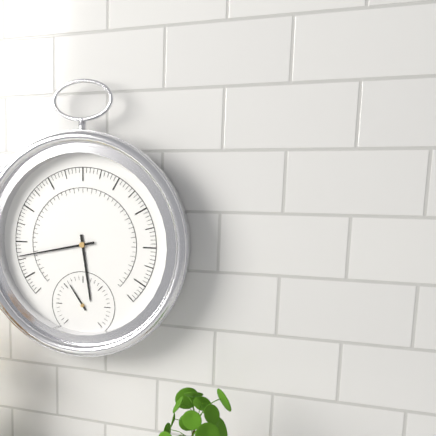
**5:43**
